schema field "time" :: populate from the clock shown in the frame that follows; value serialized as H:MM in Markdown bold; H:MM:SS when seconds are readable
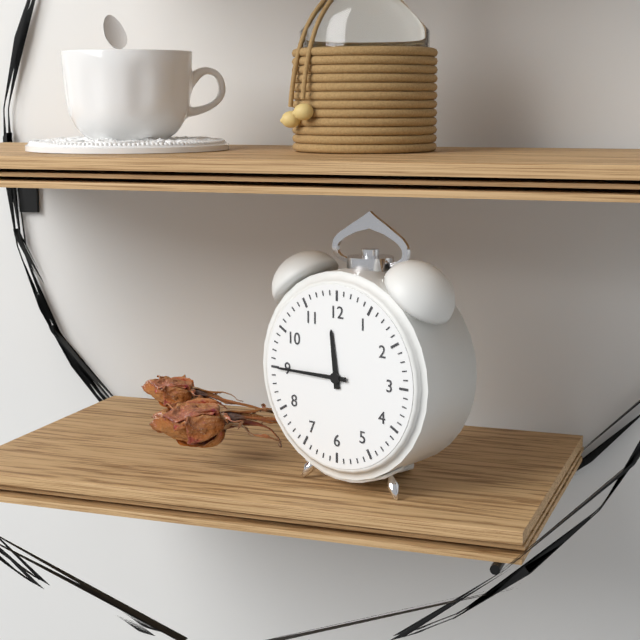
**11:45**
